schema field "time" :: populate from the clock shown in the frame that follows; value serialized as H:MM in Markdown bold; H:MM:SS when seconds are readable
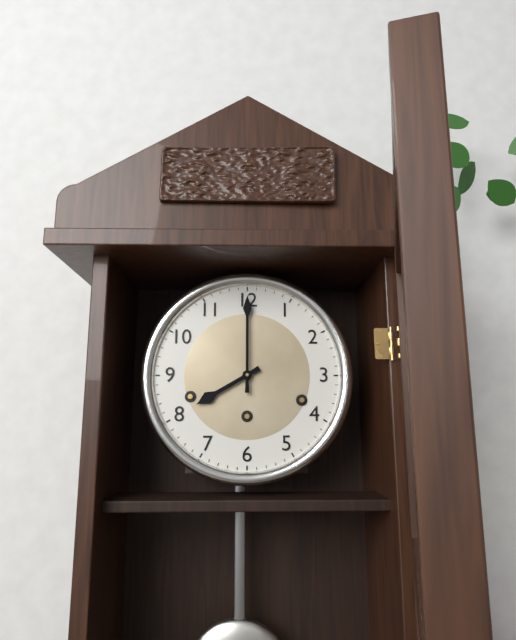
**8:00**
